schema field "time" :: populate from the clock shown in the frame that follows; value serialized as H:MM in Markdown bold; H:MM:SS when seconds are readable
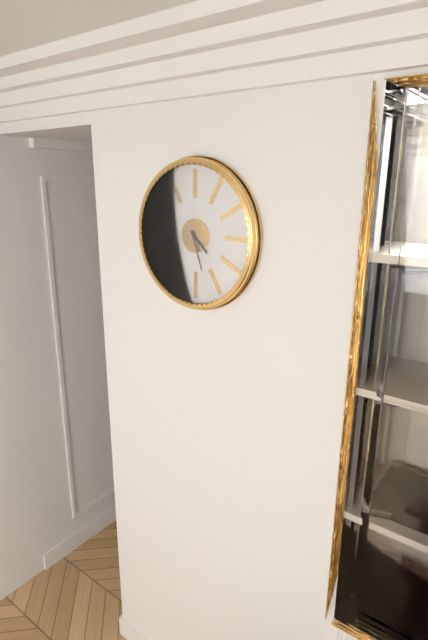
**4:27**
